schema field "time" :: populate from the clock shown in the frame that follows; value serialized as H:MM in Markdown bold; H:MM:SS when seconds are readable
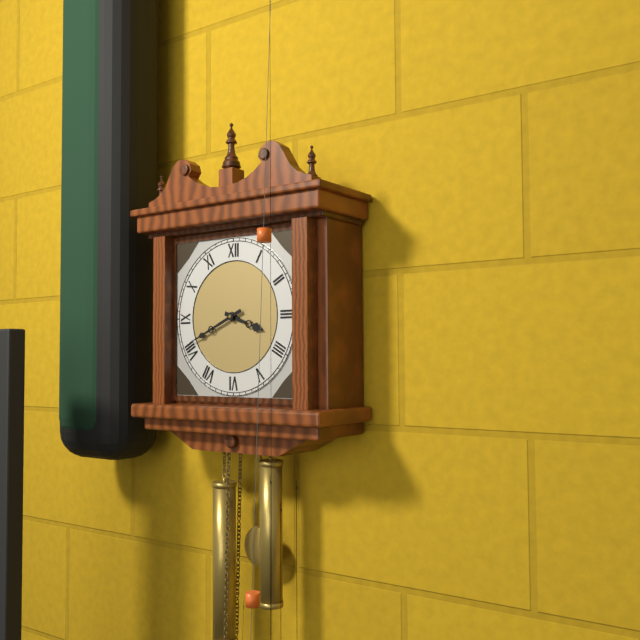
**3:41**
